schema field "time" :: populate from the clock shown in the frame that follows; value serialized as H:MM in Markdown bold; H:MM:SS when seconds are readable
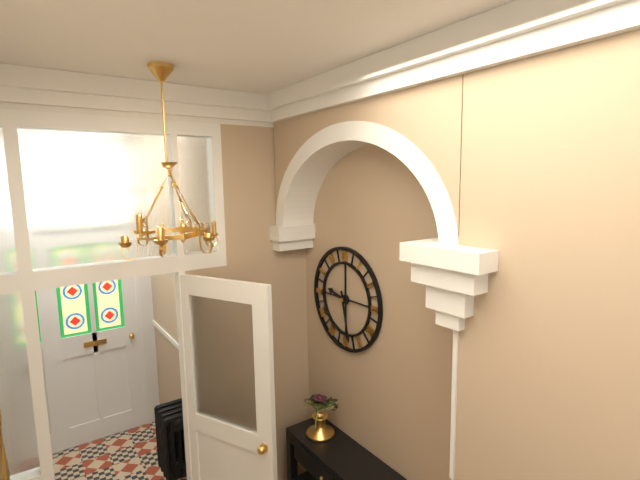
**9:28**
